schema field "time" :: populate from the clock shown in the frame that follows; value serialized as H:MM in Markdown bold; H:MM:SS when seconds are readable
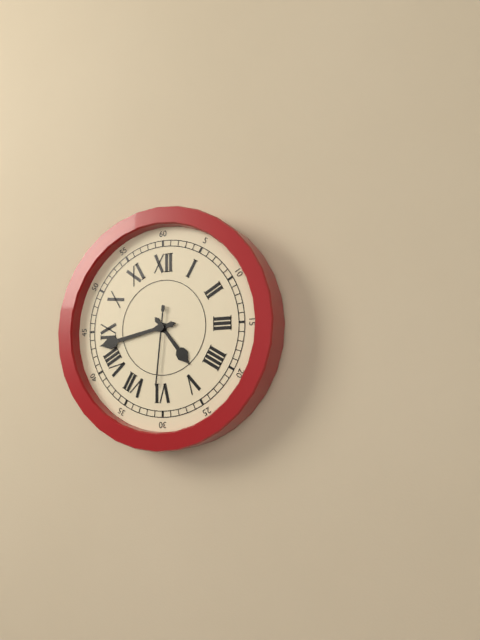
**4:43:31**
